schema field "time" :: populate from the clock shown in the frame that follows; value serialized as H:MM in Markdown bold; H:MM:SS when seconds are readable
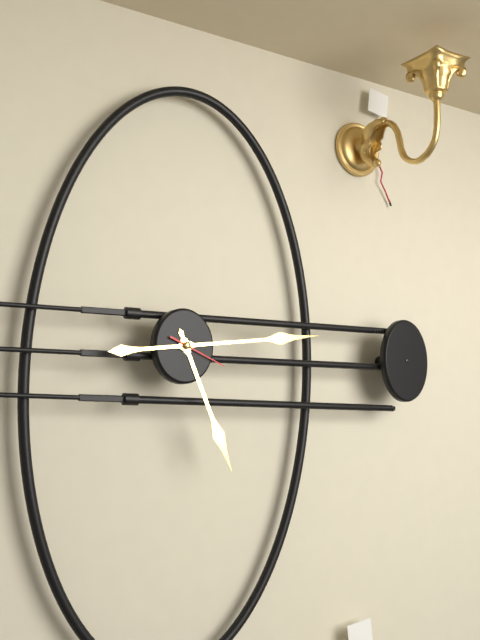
**5:14:19**
